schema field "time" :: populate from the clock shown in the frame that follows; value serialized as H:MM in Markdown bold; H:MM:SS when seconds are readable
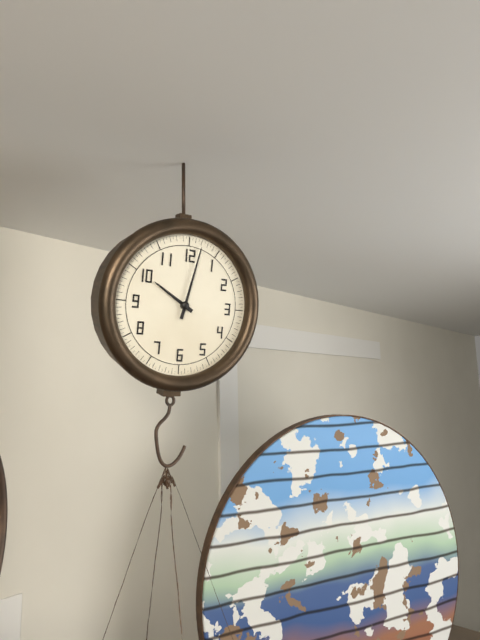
**10:02**
